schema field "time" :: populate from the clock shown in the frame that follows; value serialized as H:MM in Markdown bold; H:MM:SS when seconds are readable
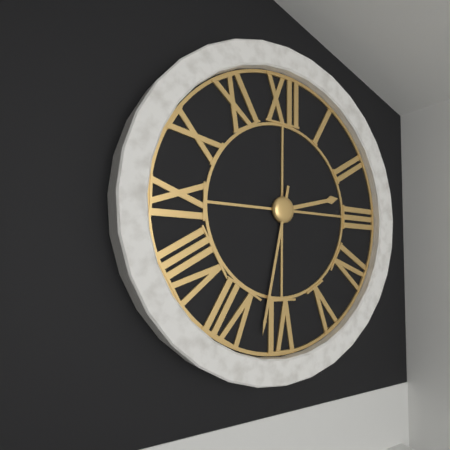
**2:32**
